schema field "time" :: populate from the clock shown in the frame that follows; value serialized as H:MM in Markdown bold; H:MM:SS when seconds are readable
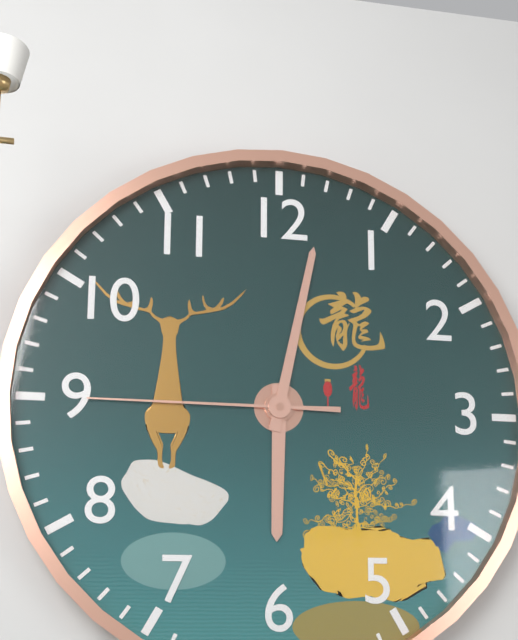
**6:02:45**
